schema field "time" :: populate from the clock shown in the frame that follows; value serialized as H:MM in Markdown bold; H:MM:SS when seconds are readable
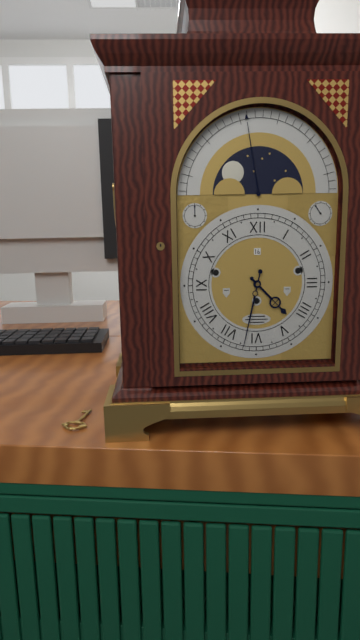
**4:32**
